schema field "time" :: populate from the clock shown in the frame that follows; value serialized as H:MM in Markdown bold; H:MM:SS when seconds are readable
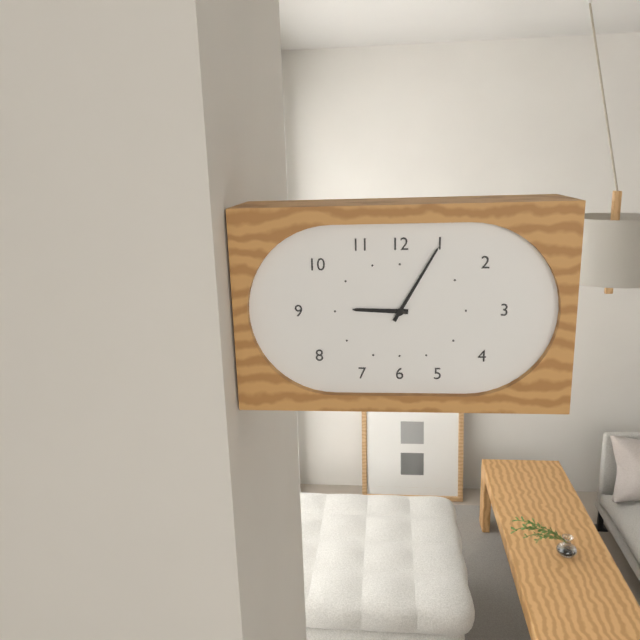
**9:05**
